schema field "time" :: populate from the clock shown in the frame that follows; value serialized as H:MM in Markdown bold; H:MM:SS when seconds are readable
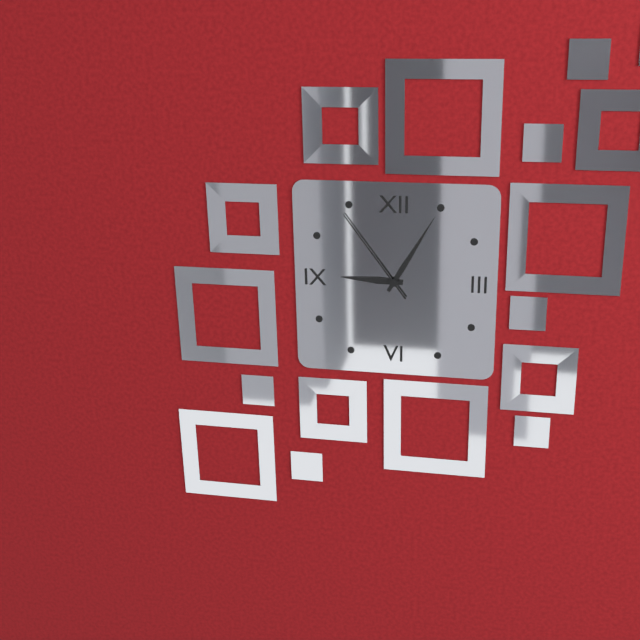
**9:05:54**
